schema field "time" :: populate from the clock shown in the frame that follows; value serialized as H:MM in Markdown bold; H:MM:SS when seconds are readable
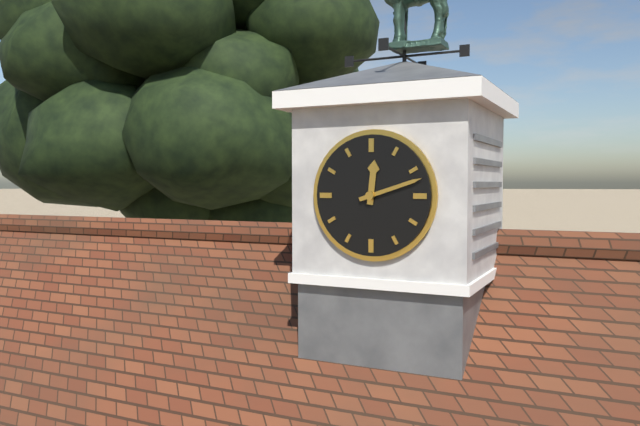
**12:12**
